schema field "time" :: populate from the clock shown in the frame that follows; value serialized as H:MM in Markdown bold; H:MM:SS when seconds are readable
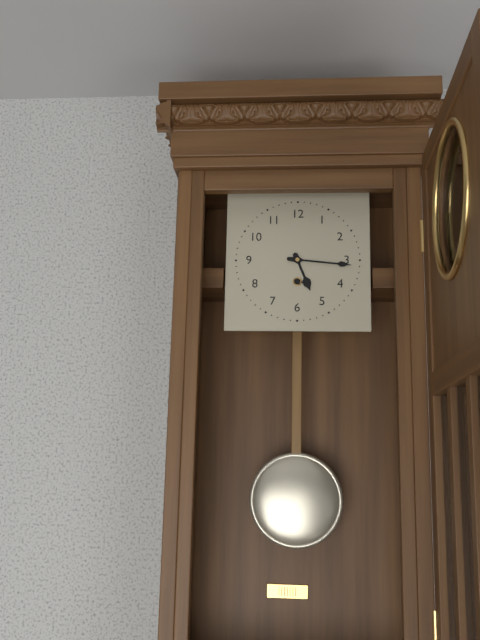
**5:16**
